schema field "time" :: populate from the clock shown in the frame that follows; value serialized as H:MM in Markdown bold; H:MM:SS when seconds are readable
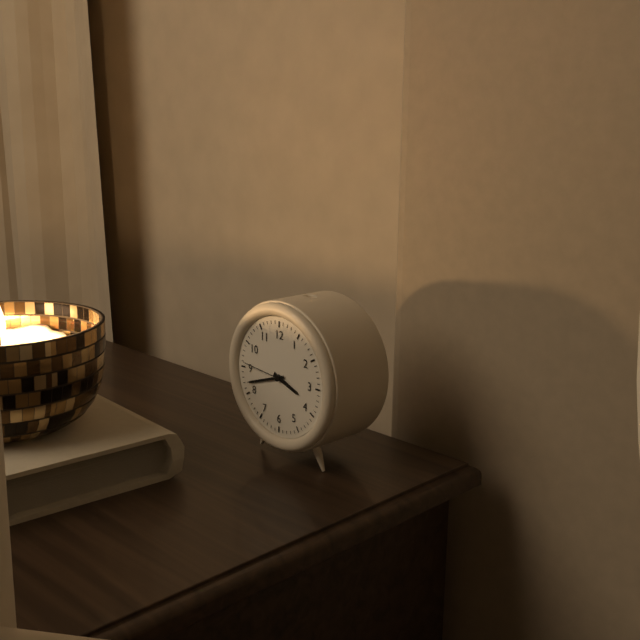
**3:42:46**
